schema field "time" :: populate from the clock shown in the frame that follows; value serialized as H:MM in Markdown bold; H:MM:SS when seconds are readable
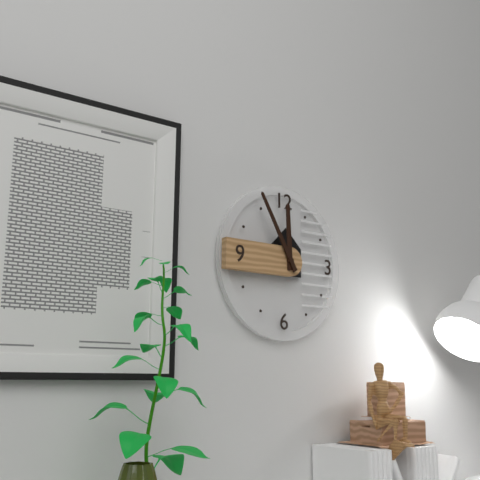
**11:55**
